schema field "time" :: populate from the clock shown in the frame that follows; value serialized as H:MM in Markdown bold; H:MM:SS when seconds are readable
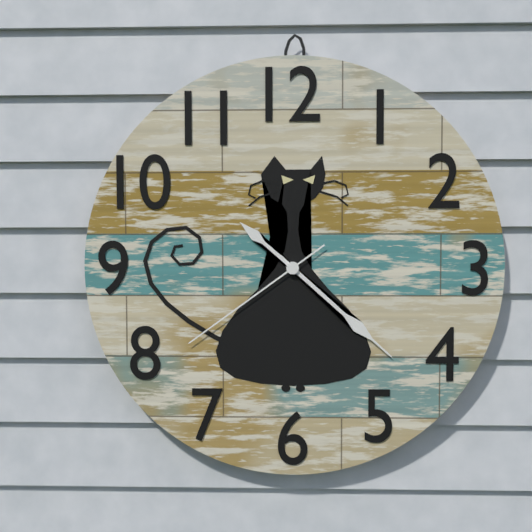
**10:22:39**
